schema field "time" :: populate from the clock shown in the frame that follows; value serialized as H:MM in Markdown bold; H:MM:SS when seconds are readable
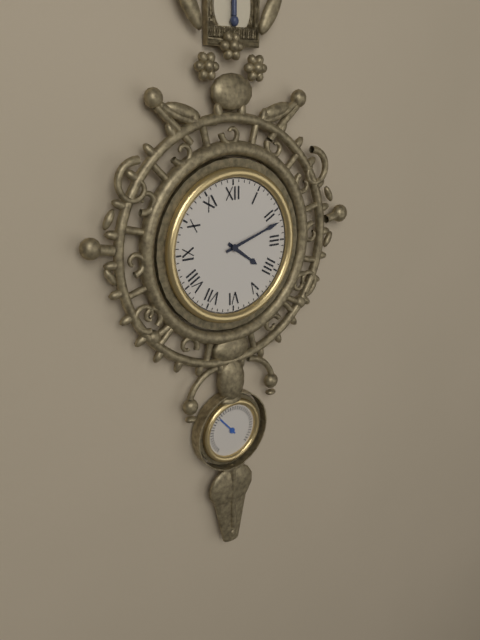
**4:12**
